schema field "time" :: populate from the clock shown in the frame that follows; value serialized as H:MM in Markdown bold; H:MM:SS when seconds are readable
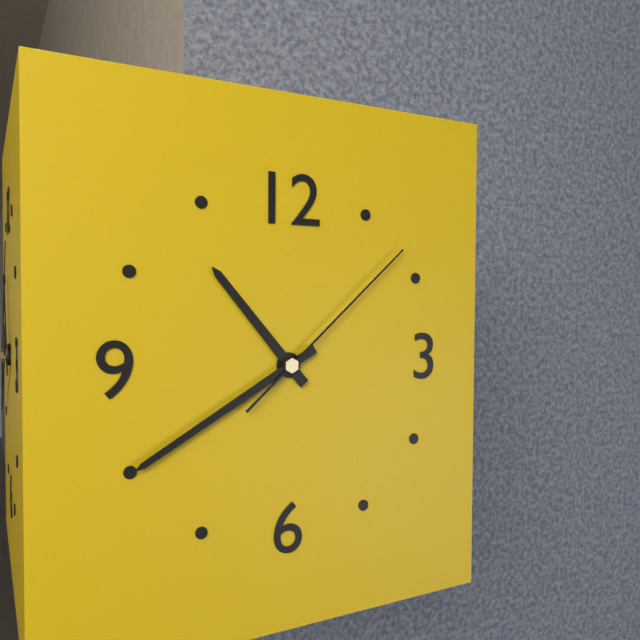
**10:40:08**
